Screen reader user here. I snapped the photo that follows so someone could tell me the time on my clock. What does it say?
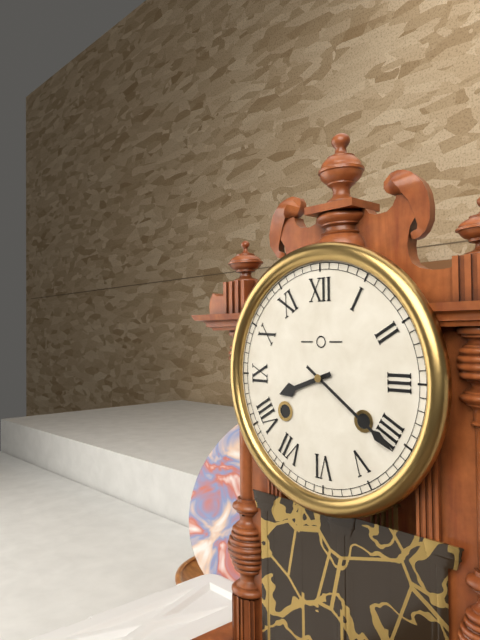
8:21
